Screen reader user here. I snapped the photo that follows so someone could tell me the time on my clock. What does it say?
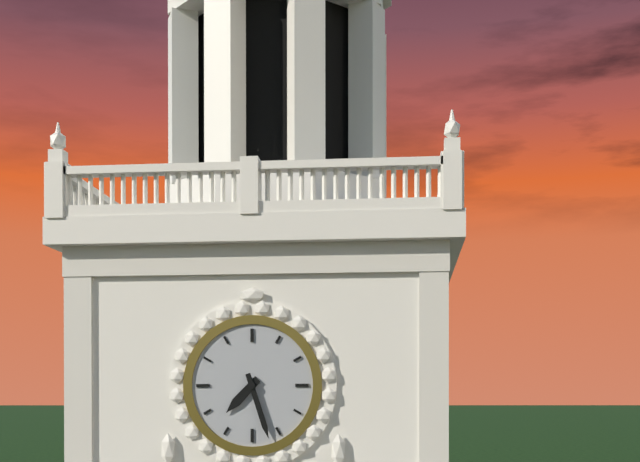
7:27
